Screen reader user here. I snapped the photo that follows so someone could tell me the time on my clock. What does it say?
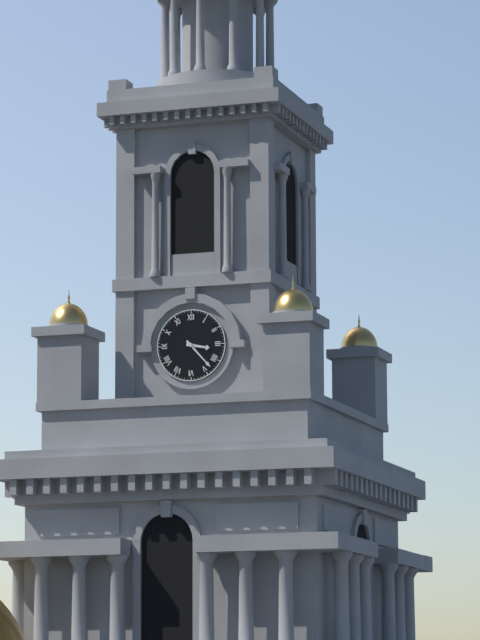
3:23
